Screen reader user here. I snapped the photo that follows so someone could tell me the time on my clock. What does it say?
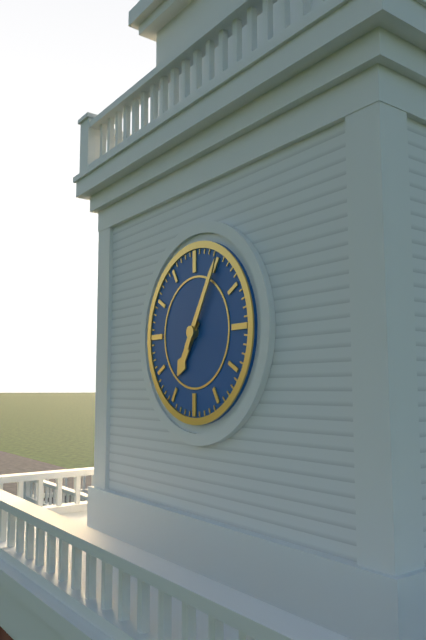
7:05
